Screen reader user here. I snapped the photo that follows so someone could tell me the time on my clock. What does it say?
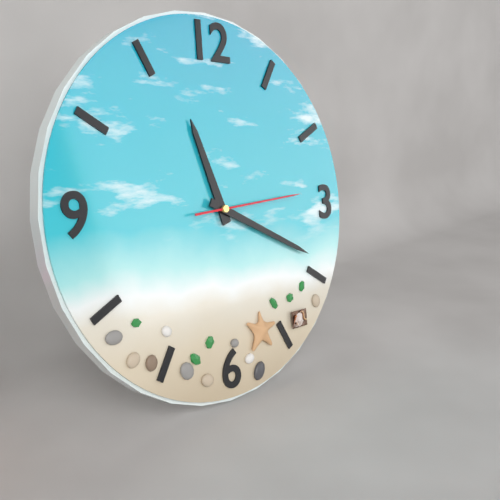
11:19:14
